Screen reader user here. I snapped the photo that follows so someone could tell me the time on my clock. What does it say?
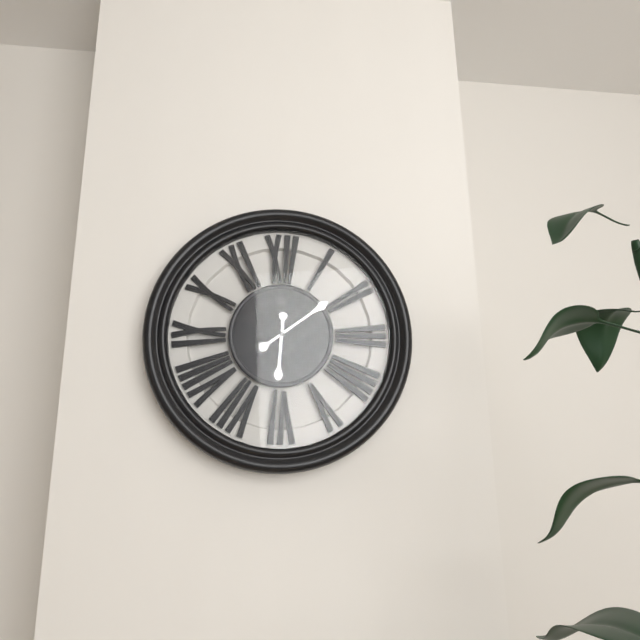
6:09
